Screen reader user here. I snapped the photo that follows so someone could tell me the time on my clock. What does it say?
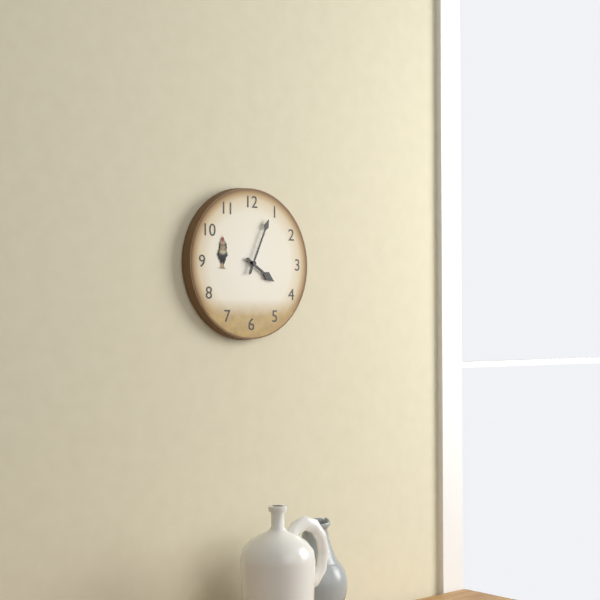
4:04
